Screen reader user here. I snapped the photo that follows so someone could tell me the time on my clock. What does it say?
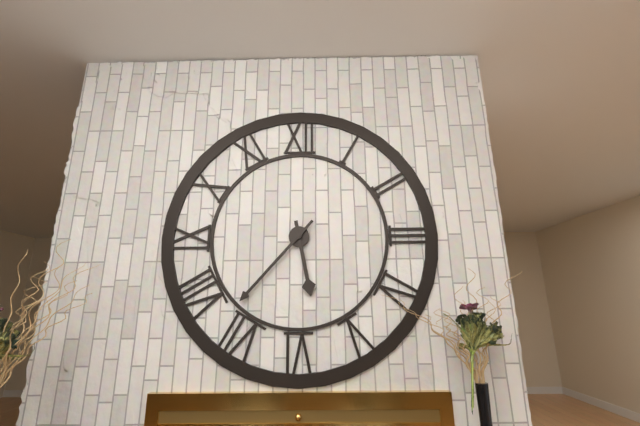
5:37
